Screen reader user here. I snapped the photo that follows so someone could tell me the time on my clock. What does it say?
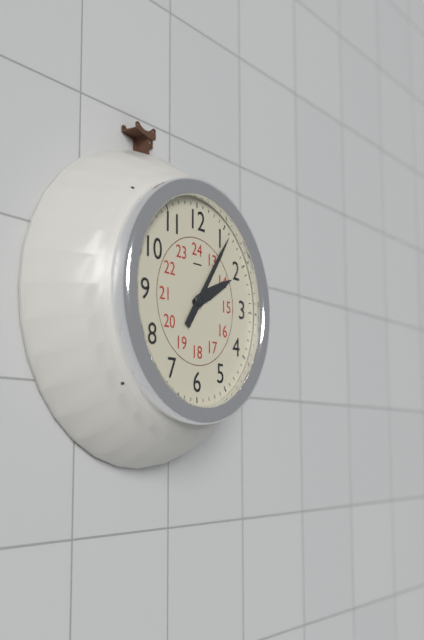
2:06
